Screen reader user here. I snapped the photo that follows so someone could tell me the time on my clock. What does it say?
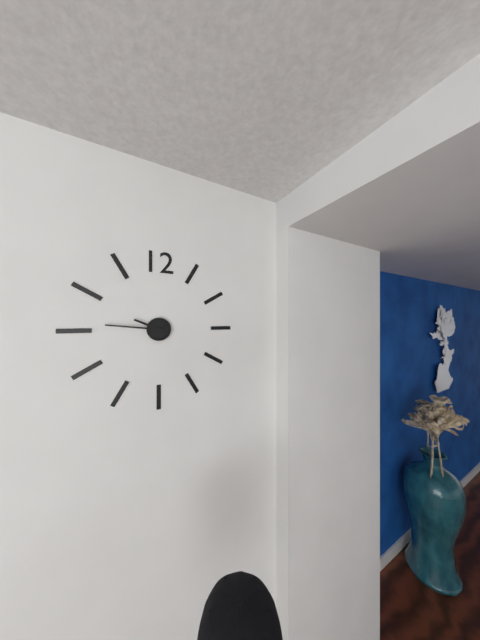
9:46
